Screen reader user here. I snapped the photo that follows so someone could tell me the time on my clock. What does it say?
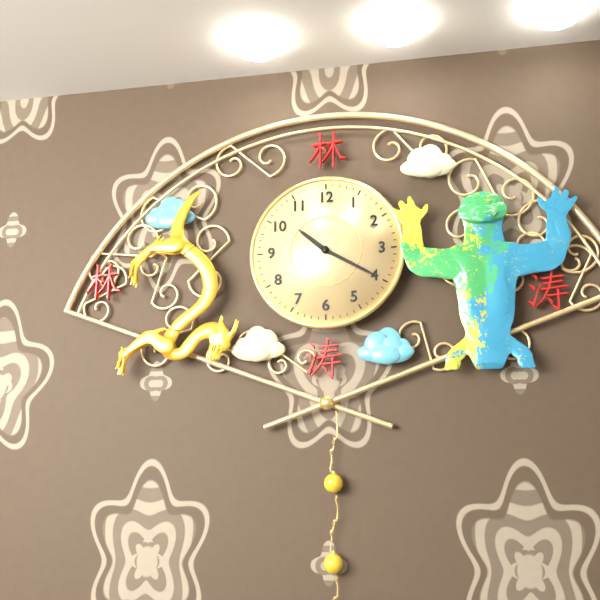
10:20
